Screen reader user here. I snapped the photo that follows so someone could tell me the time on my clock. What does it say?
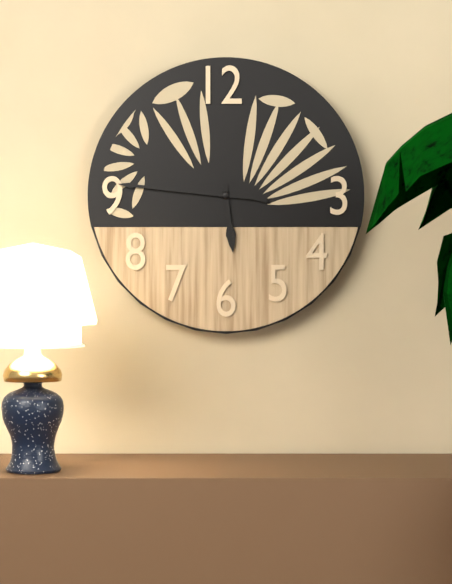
5:46
